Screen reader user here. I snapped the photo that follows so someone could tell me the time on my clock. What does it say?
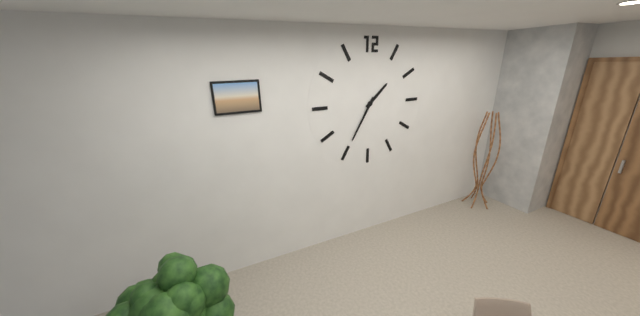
1:35
